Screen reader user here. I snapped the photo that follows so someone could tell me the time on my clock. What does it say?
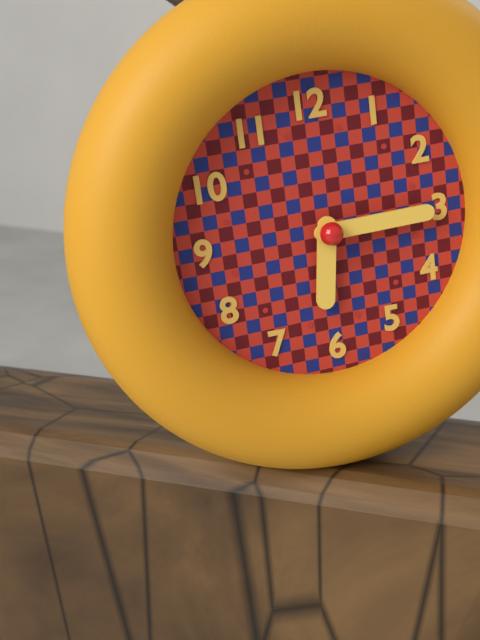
6:15
